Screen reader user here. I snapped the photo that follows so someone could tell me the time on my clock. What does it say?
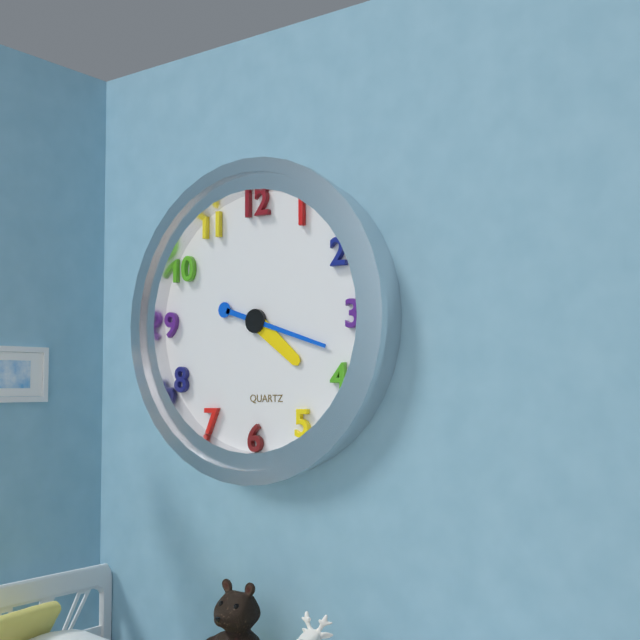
4:18
